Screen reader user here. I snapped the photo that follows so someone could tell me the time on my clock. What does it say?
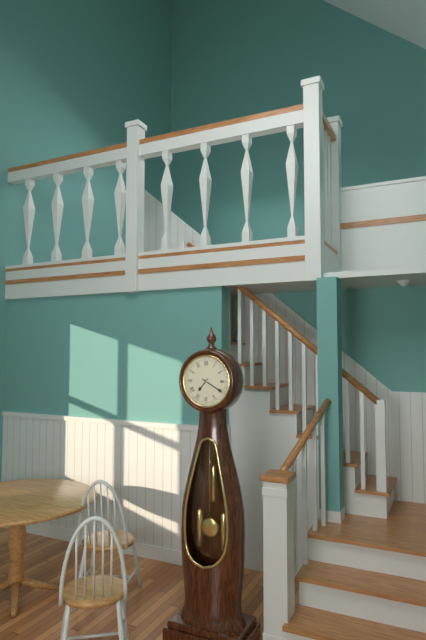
7:20
